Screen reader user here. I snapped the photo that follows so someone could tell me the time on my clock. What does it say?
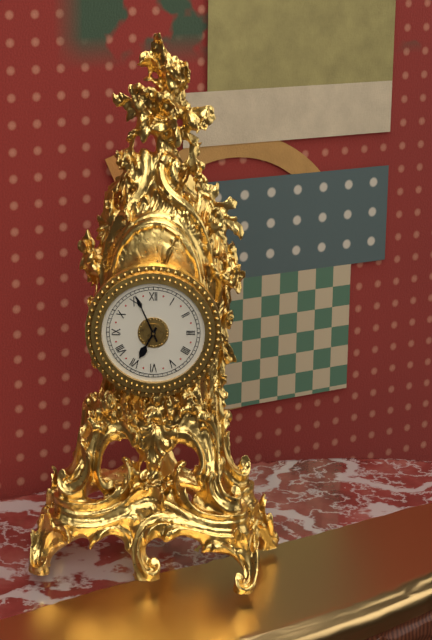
6:56
